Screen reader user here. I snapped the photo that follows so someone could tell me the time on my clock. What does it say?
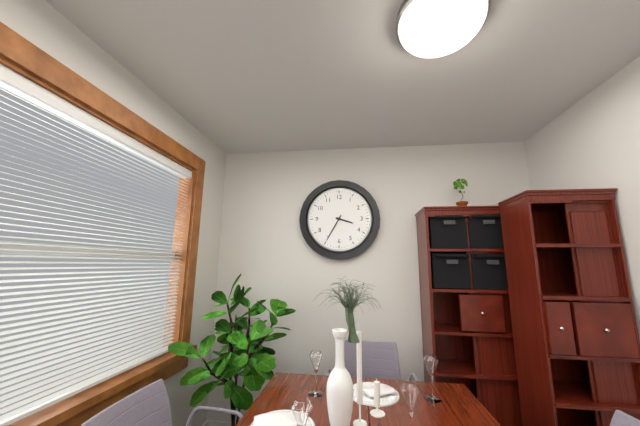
3:35
